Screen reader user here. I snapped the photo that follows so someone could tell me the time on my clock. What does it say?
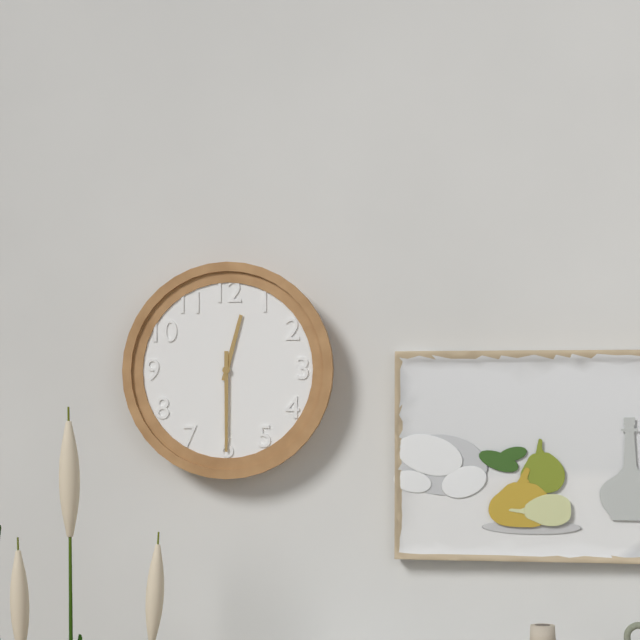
12:30
